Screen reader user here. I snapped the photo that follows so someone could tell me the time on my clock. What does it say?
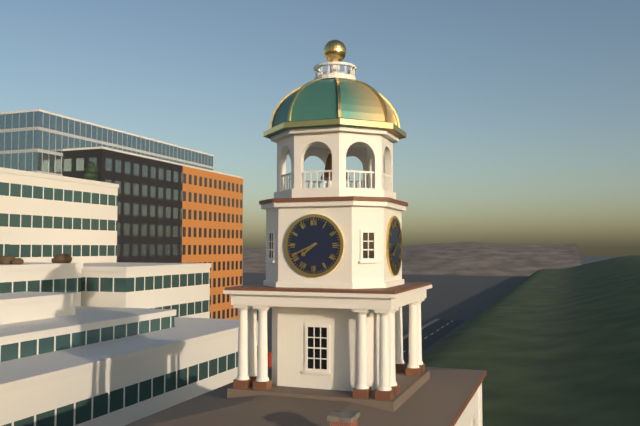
7:41
